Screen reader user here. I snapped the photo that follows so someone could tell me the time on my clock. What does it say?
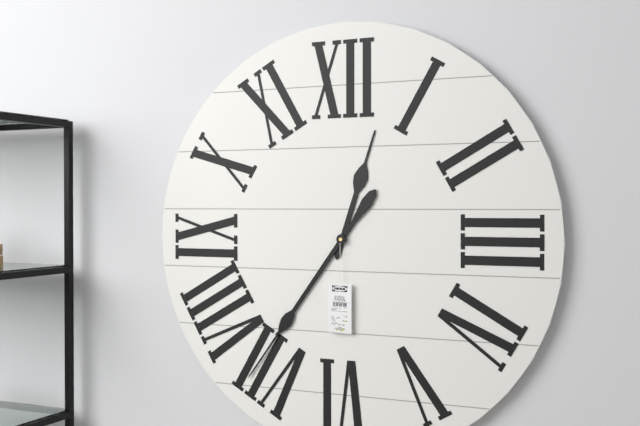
12:36
